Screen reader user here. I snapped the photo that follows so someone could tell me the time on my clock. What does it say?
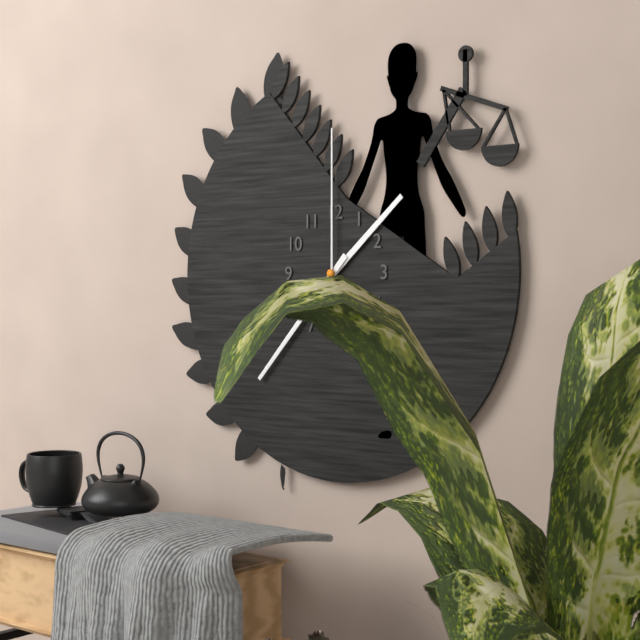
1:37:00
